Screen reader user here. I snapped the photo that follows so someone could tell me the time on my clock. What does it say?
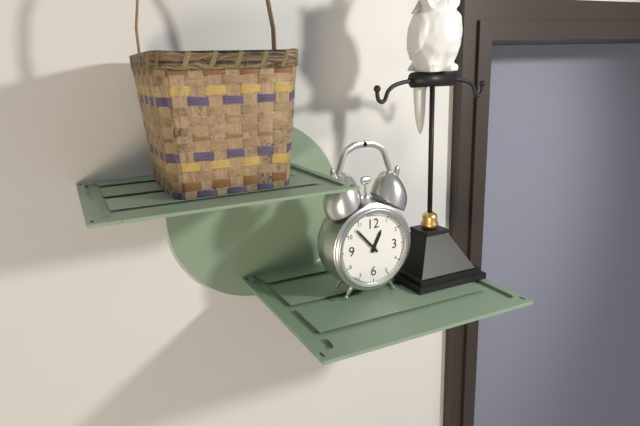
12:53
